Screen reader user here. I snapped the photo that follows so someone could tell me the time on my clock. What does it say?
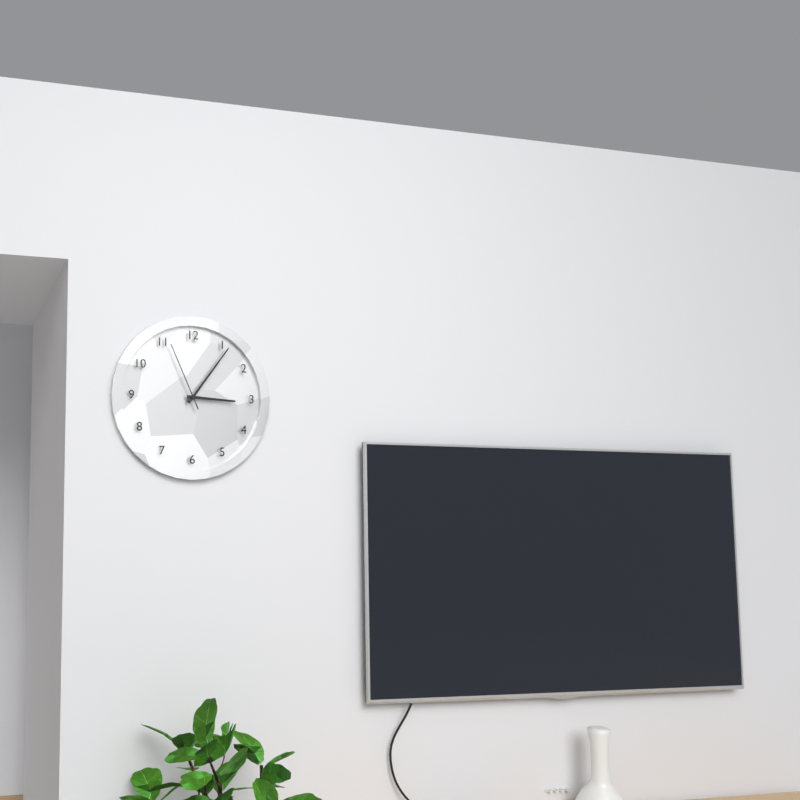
3:06:56
